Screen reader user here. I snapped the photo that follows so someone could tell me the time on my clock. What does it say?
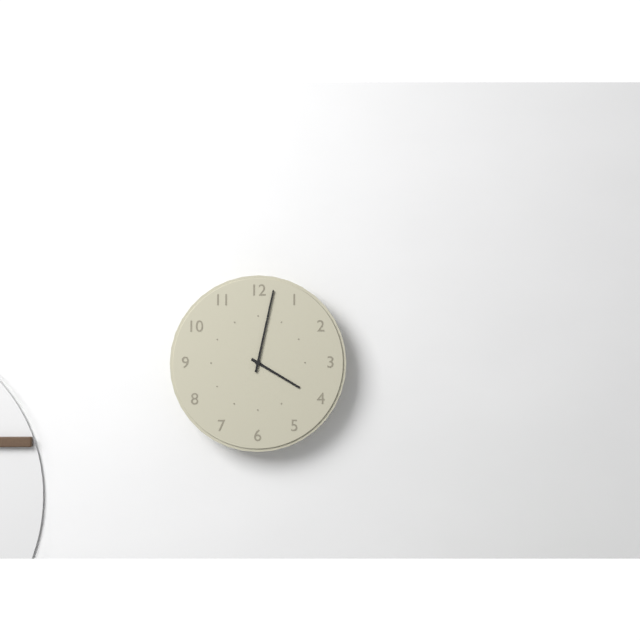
4:02
